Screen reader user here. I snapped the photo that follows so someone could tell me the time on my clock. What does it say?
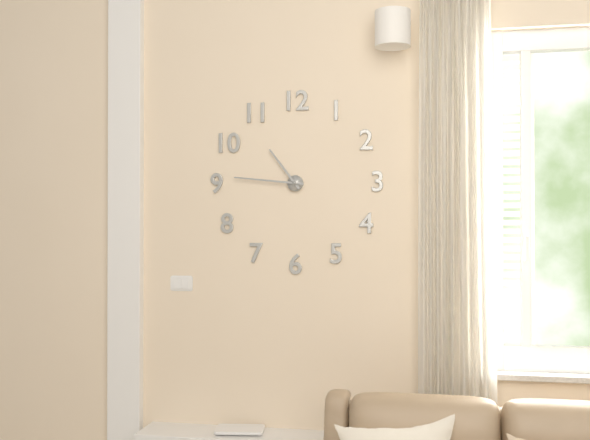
10:46
